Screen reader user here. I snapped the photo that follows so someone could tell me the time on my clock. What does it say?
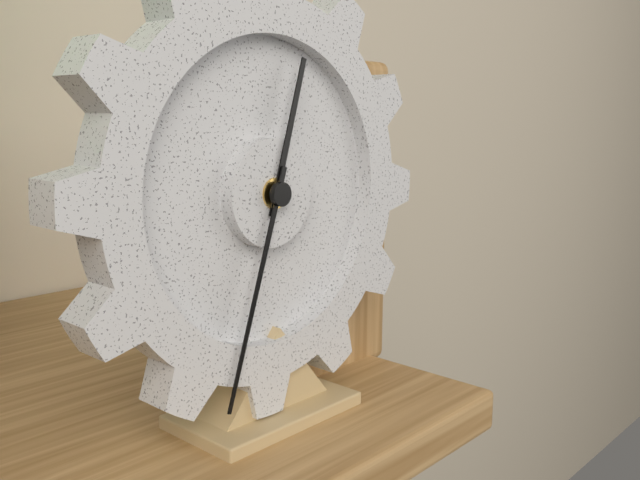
12:33
